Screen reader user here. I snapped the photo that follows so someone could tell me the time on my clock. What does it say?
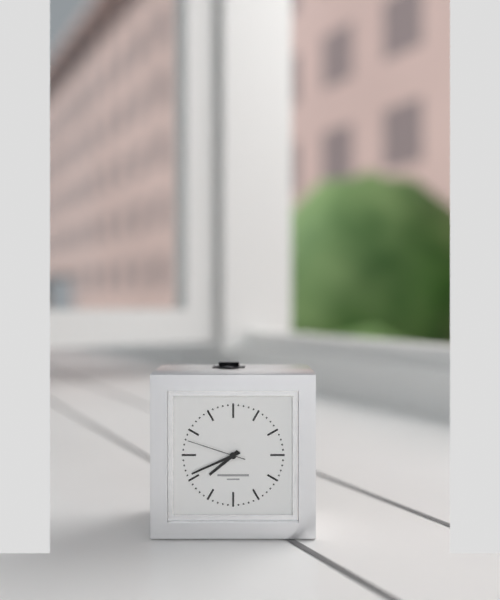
7:41:48
